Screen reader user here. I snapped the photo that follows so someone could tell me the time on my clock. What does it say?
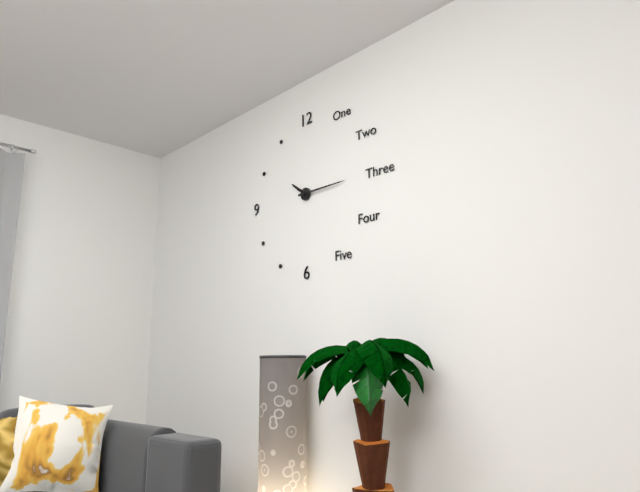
10:15
